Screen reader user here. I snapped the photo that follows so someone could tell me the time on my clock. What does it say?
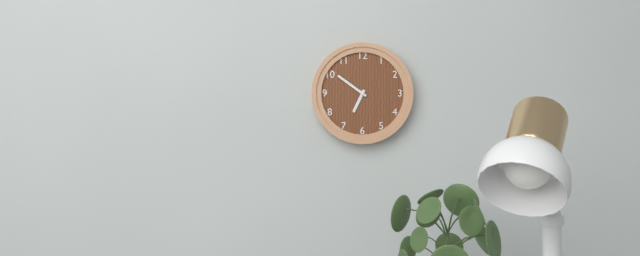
6:51
